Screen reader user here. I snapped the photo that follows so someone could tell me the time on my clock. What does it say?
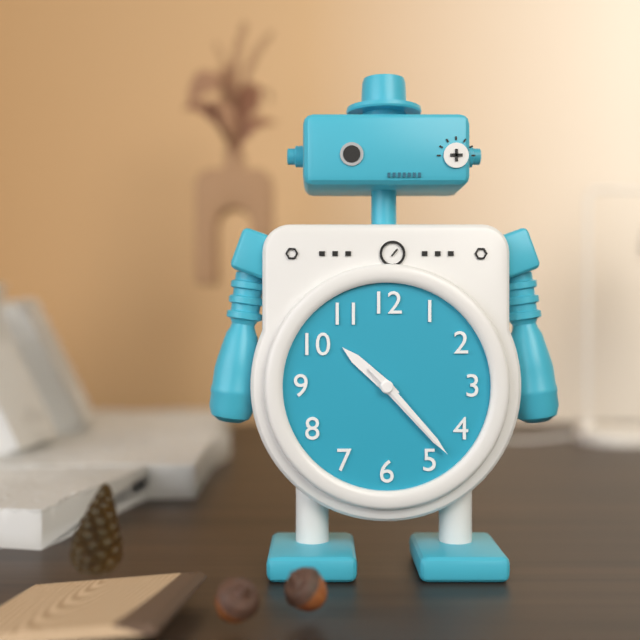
10:23:23
